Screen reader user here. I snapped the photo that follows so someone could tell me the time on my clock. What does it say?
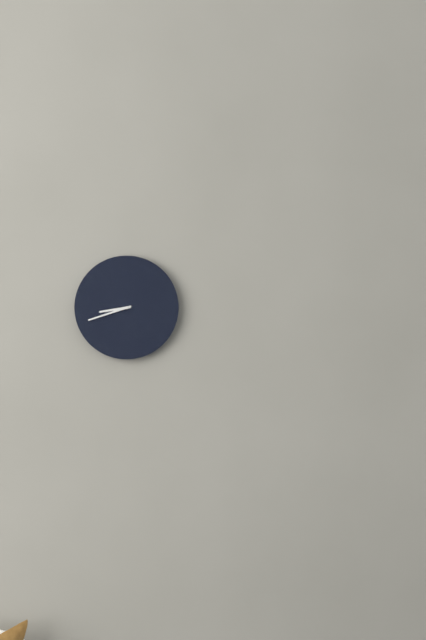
8:42
